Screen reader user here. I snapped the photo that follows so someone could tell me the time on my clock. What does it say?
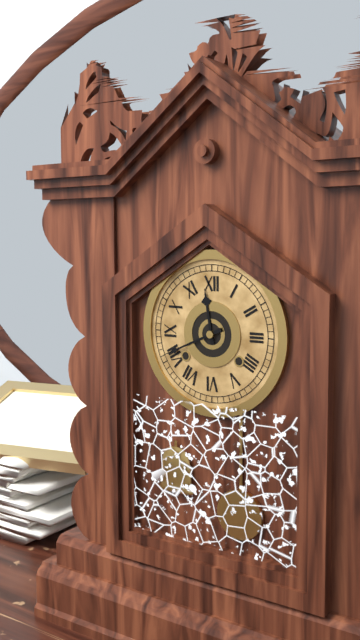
11:41
